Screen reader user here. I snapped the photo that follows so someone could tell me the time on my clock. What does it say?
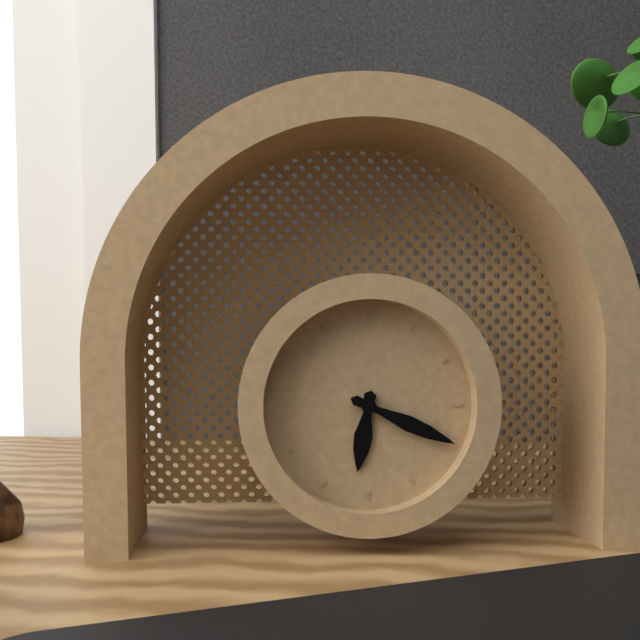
6:19
